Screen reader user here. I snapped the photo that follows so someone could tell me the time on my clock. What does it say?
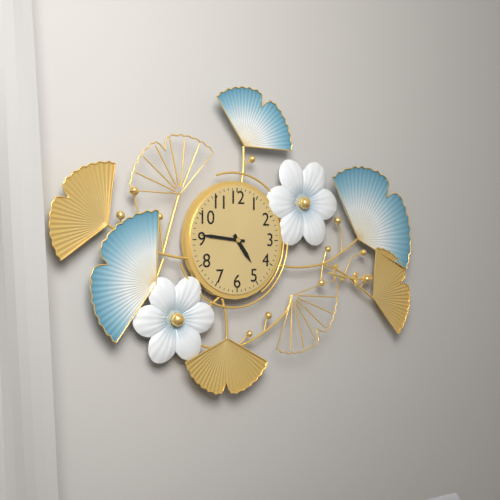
4:46
